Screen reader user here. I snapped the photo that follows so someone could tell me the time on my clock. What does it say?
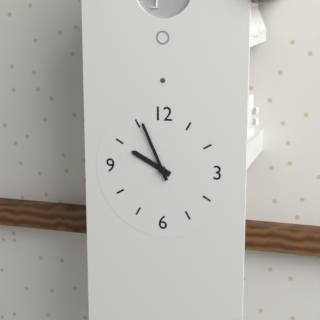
9:56
